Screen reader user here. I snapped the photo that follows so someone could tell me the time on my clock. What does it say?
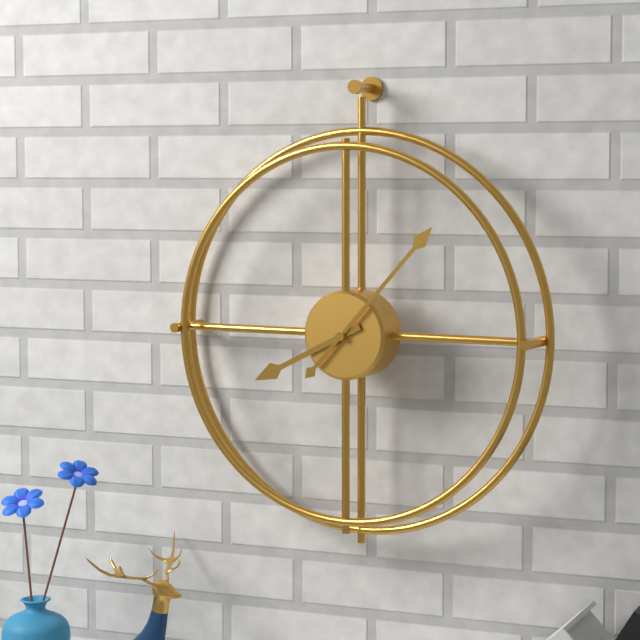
8:07
